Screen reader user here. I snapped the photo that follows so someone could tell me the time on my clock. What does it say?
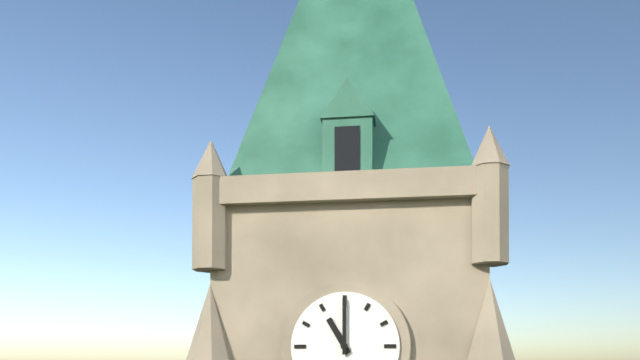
11:00
